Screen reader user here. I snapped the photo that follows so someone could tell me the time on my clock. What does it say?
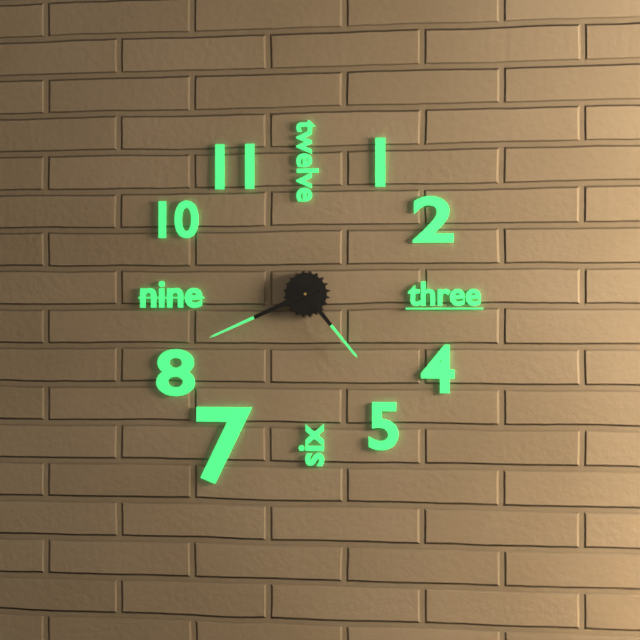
4:41
